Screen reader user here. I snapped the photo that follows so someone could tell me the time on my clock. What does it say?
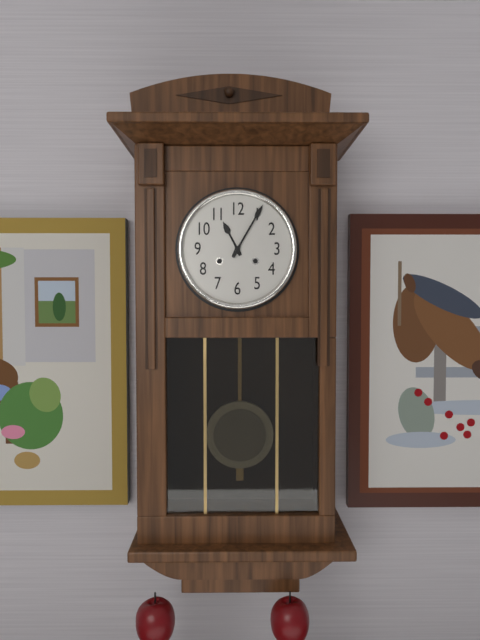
11:05
